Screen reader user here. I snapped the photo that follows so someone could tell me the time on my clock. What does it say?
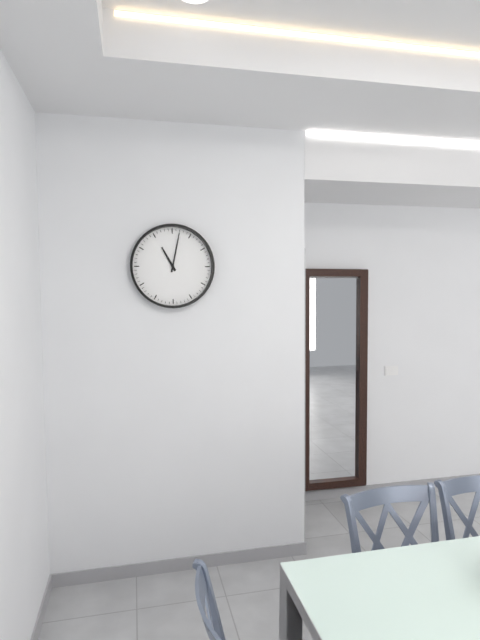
11:02
